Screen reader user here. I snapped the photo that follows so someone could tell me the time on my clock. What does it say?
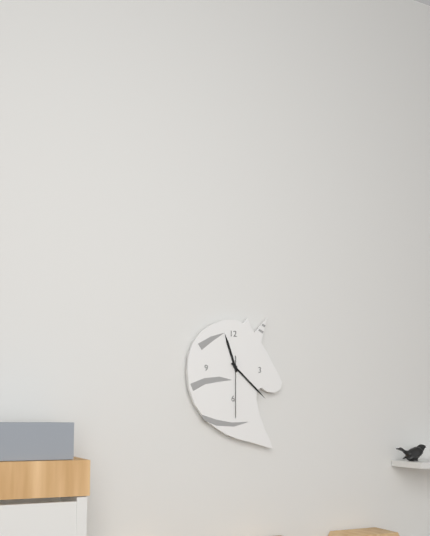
11:22:30
